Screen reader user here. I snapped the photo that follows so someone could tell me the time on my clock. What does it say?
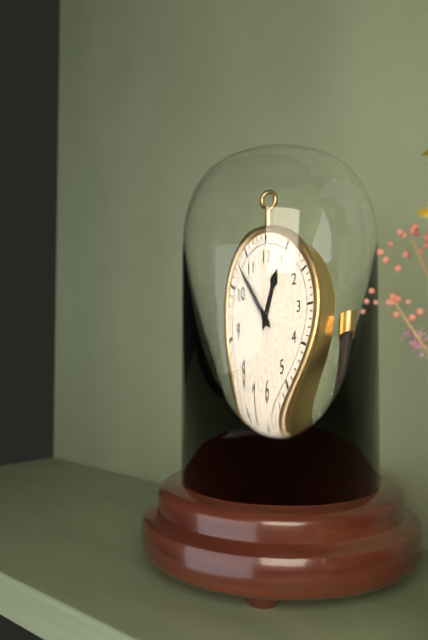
12:53
